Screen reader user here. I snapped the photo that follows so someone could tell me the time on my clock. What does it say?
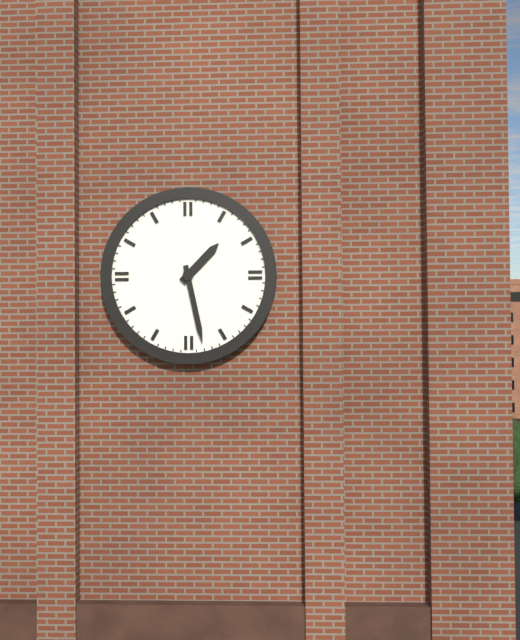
1:28
